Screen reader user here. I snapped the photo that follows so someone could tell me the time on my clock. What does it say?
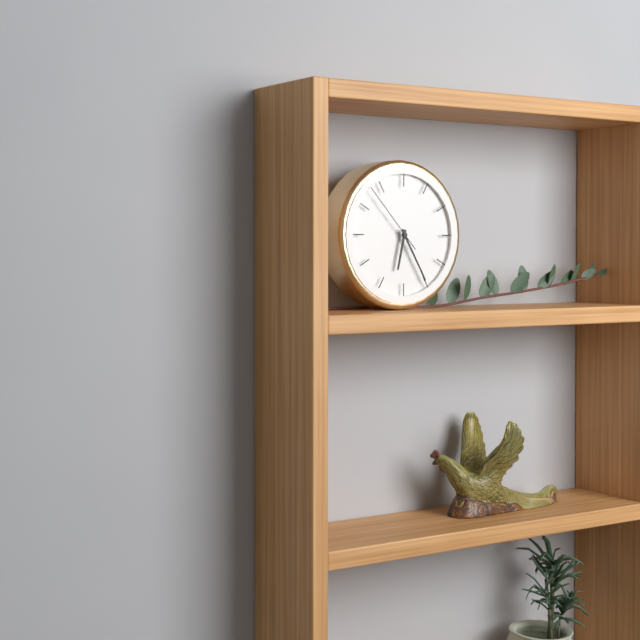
6:25:53
